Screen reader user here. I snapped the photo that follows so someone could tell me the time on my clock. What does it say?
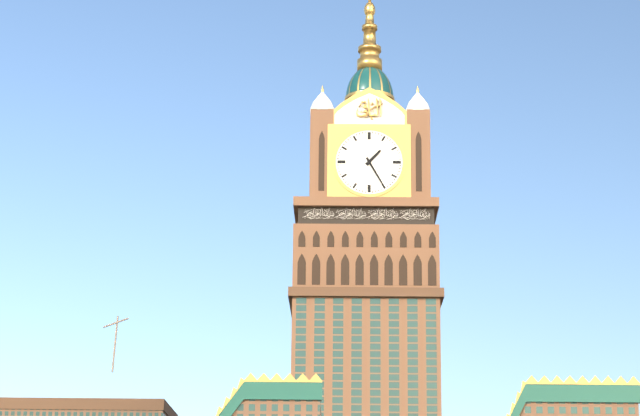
1:25
